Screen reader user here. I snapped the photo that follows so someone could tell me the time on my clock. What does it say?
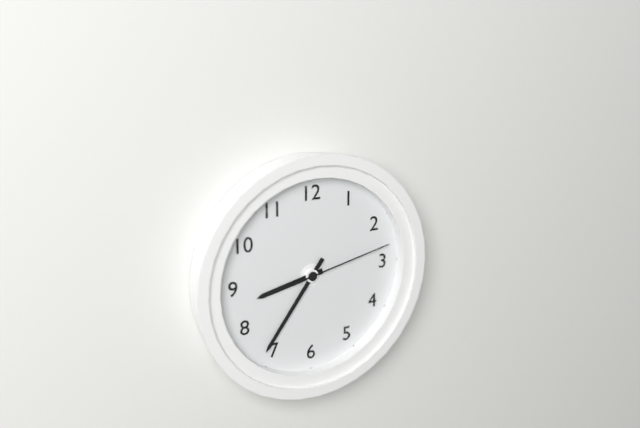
8:36:13
